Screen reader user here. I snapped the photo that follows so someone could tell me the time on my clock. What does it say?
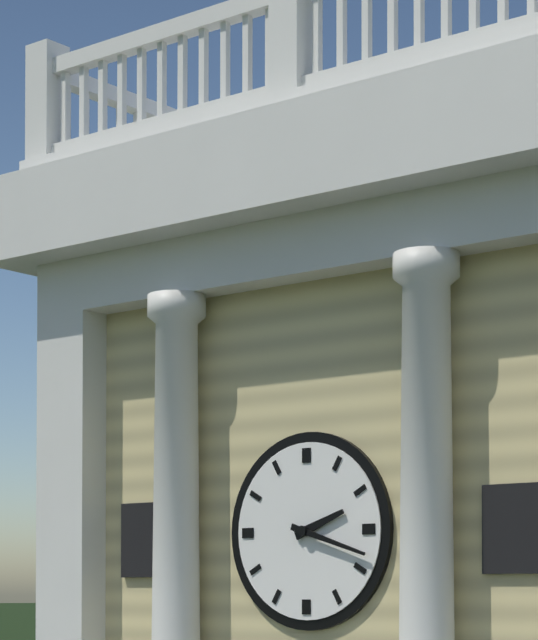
2:18
